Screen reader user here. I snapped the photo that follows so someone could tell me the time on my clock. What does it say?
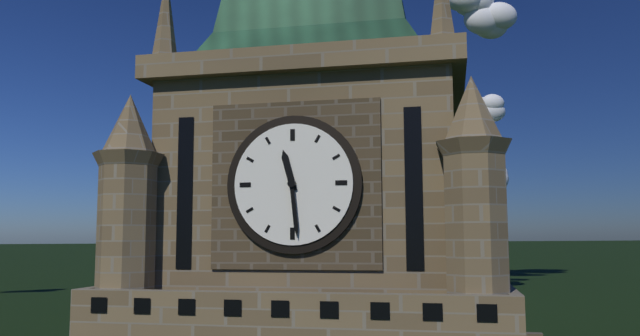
11:29
